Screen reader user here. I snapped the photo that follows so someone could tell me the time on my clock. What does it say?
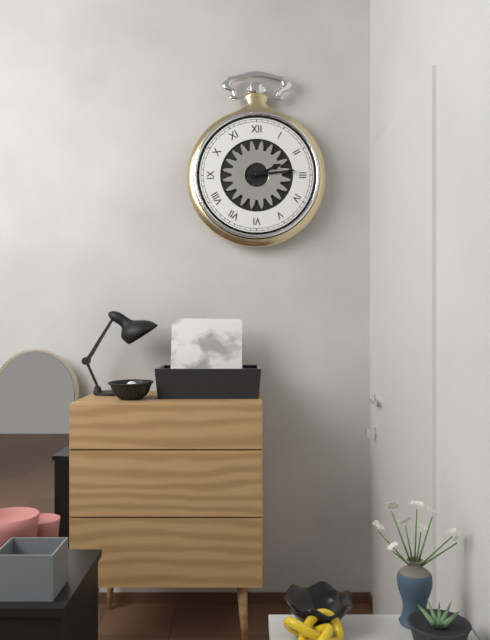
2:14
